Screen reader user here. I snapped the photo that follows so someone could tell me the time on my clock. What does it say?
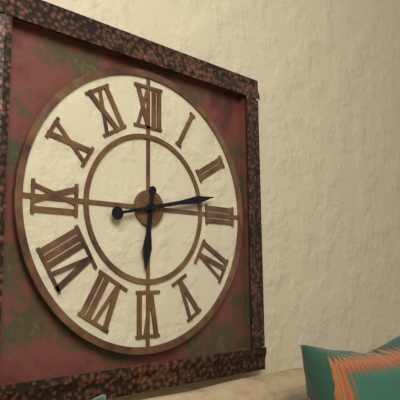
6:13
